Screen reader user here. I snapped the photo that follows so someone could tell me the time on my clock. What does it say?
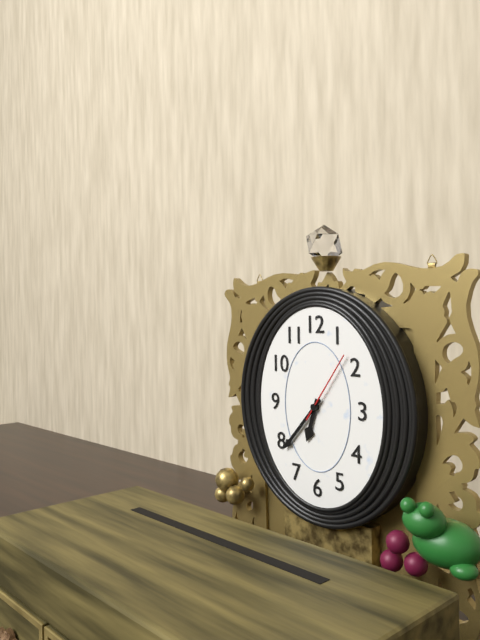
6:37:06
